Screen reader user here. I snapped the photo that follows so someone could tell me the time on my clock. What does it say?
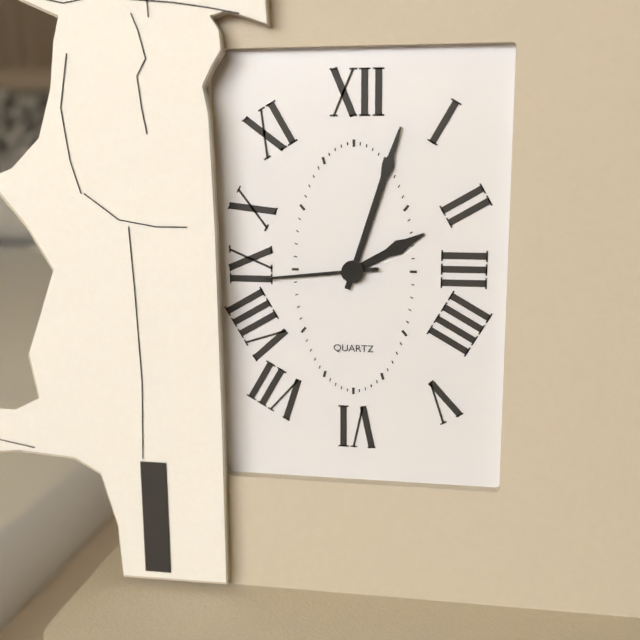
2:03:44
